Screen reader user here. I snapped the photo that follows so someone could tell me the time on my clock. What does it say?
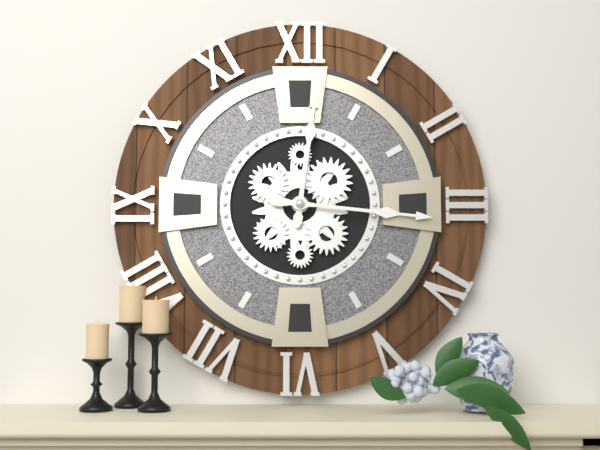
12:16
